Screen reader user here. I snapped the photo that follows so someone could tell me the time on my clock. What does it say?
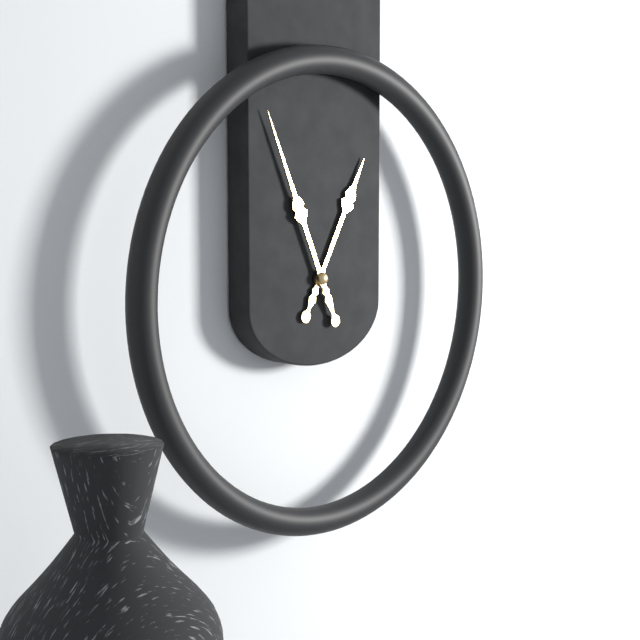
12:56
